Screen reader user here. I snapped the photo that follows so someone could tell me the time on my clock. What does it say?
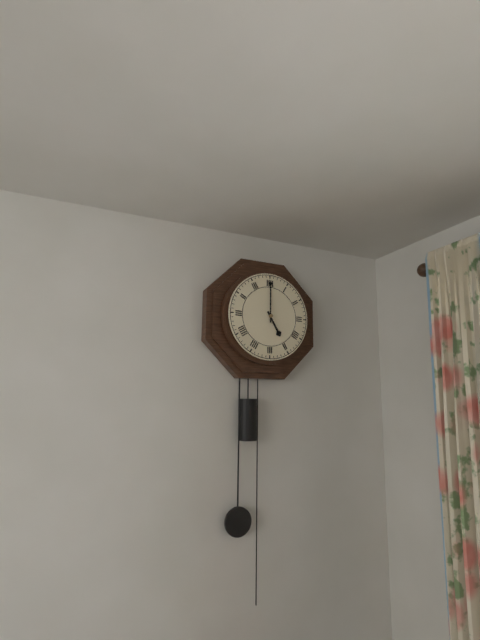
5:00
